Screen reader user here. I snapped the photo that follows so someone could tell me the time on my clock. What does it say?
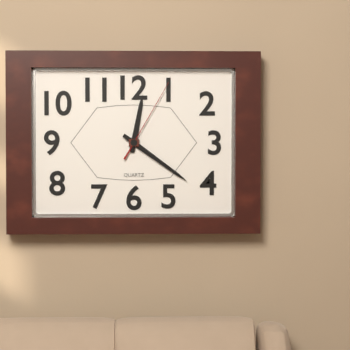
12:21:05
